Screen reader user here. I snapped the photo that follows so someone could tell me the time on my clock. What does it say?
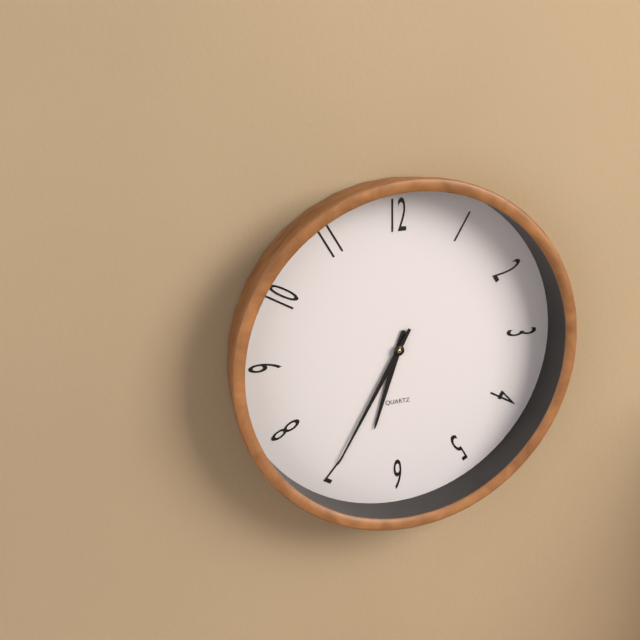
6:35
